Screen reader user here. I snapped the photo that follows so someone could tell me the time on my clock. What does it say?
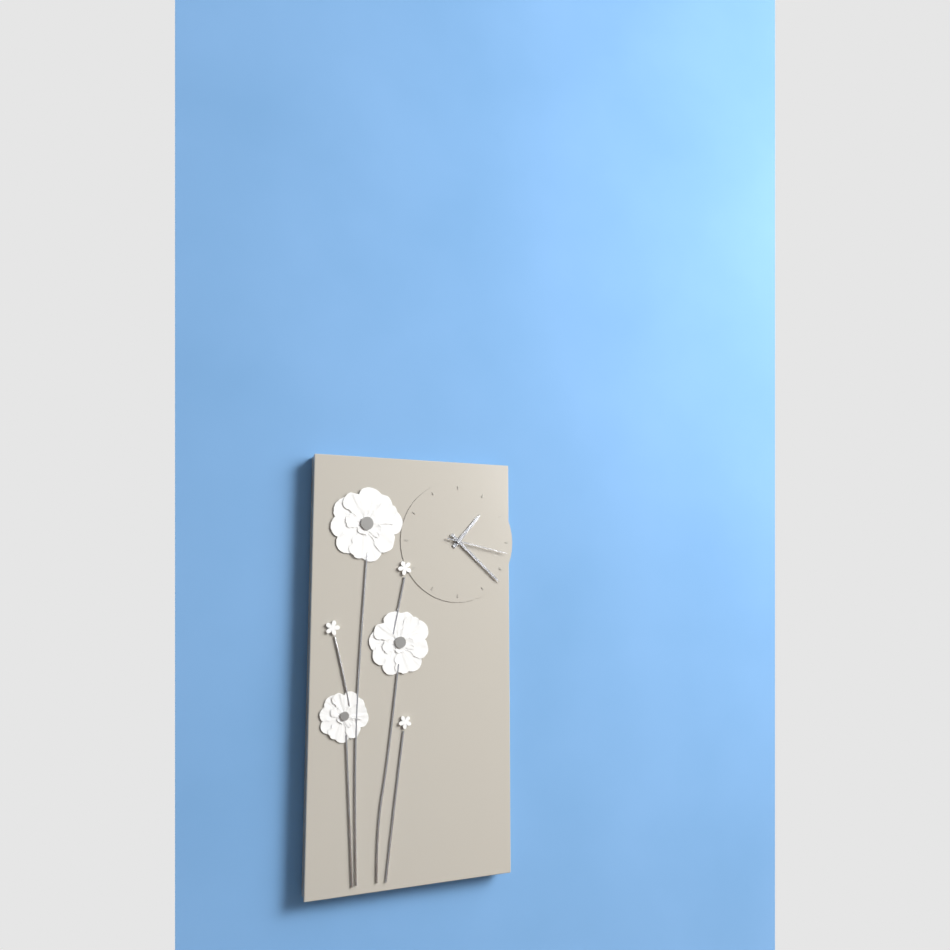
1:22:17
